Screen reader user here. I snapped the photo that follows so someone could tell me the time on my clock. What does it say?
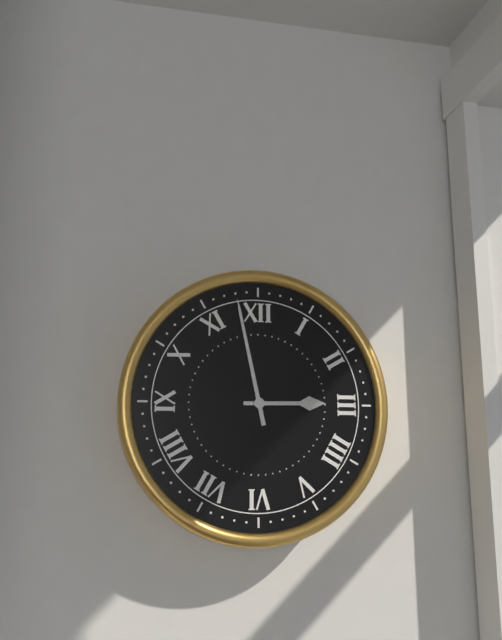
2:58
